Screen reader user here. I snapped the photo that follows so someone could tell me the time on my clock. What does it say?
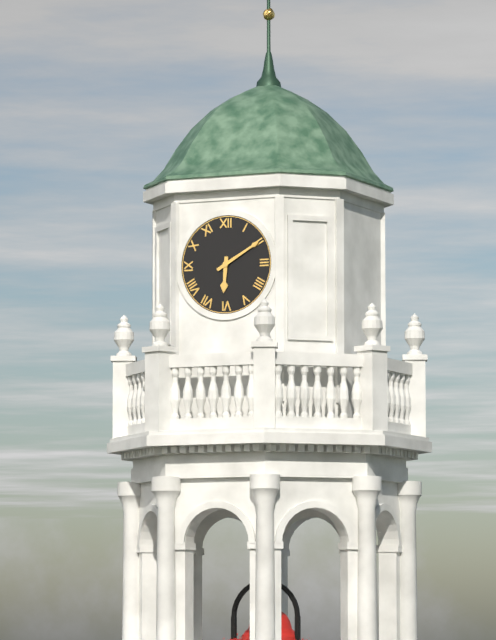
6:10
